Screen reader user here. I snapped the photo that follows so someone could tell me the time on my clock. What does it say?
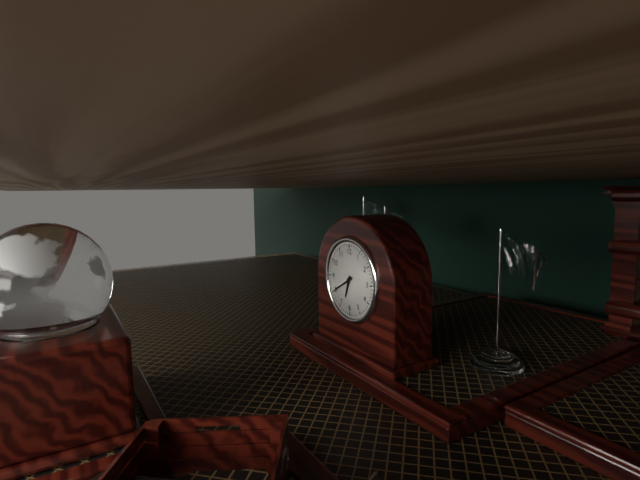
6:40
